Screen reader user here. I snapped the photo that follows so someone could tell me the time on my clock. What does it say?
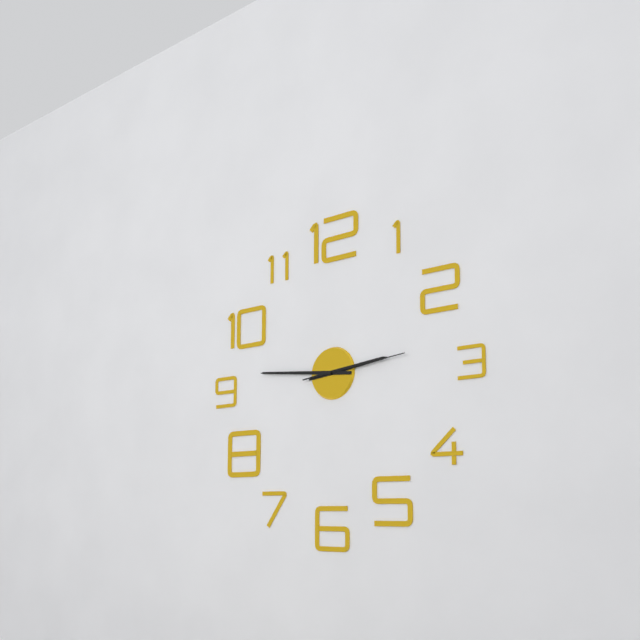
2:46:14
